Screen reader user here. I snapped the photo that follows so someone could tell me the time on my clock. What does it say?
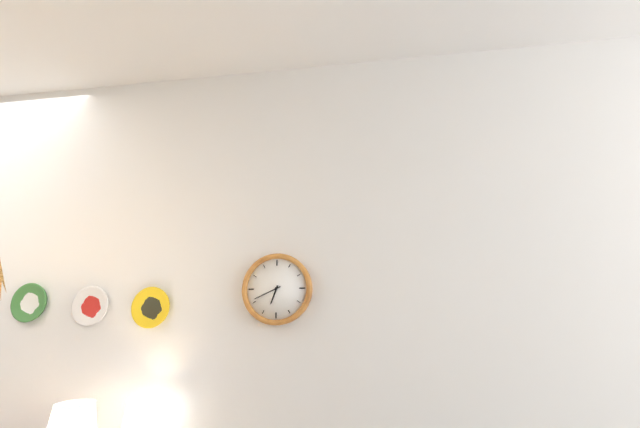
6:41
